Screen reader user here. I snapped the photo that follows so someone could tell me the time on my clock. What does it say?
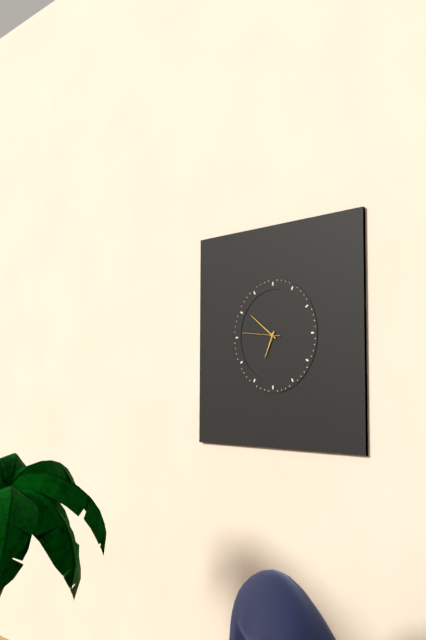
6:51
